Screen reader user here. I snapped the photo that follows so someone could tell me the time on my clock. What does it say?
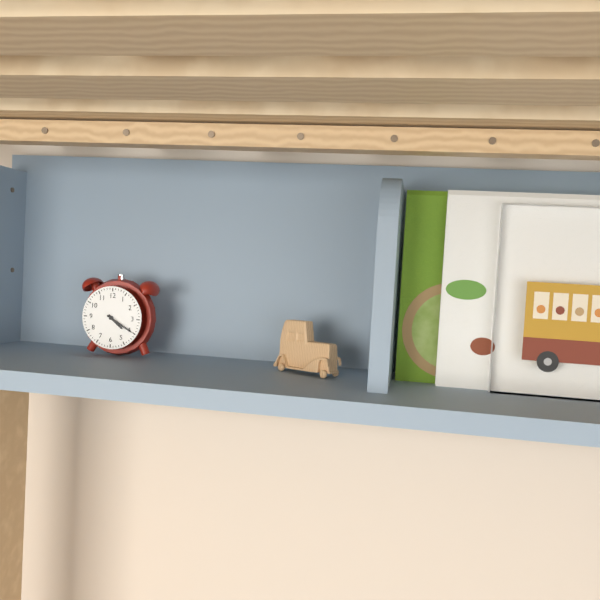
4:20
